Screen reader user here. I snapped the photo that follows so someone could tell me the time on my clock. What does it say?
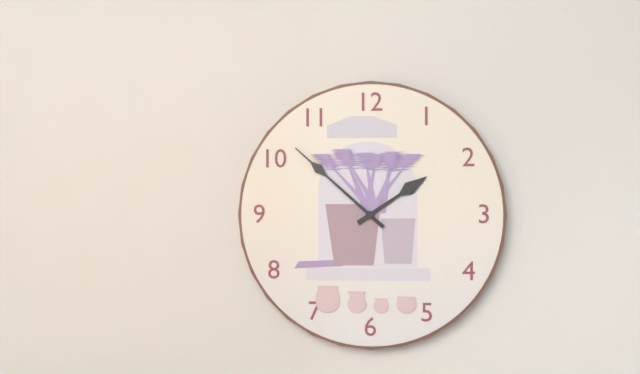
1:52
